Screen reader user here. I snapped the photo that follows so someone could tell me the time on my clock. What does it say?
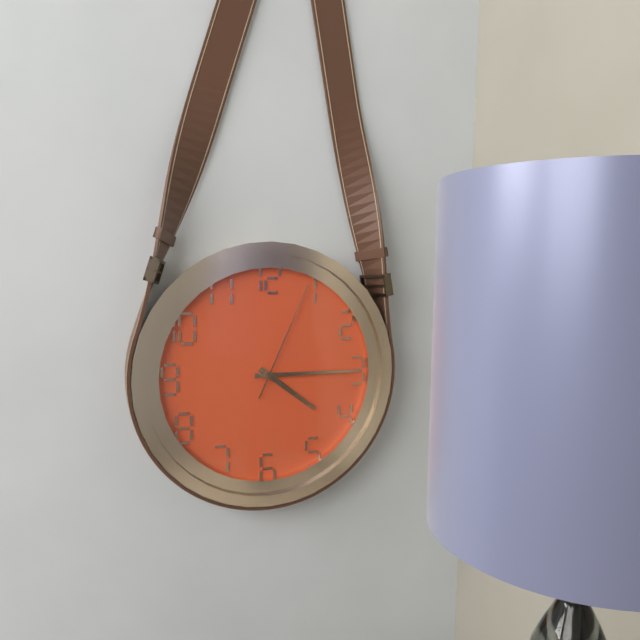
4:15:04
